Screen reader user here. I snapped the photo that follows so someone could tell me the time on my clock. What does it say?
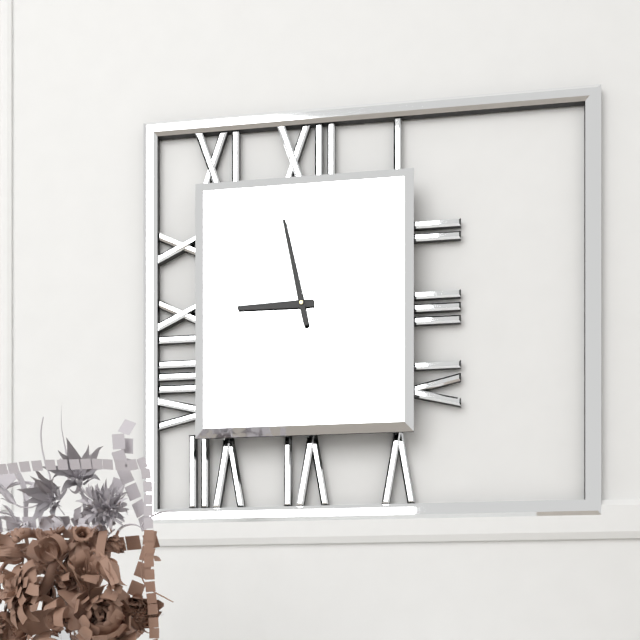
8:58
